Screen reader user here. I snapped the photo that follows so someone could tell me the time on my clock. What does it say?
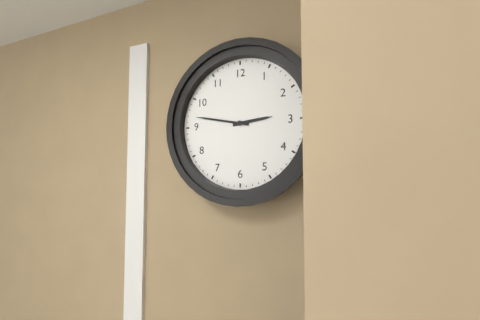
2:47
